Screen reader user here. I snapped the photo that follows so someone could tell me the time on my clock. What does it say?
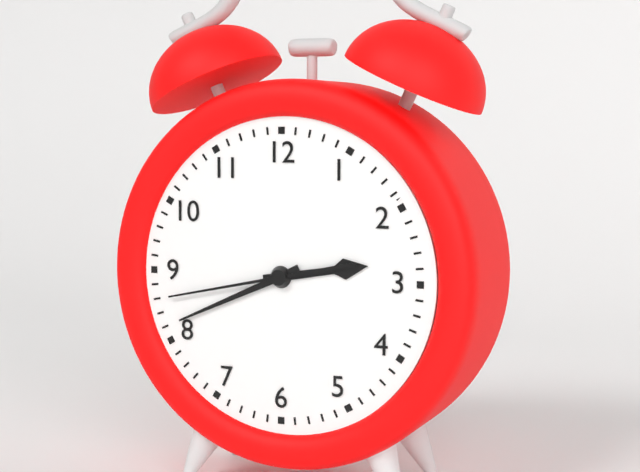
2:41:43
